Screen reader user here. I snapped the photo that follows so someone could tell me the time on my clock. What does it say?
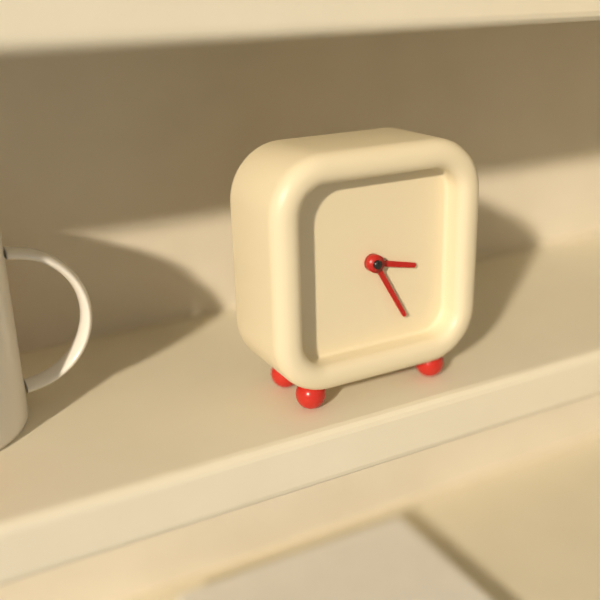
3:25
